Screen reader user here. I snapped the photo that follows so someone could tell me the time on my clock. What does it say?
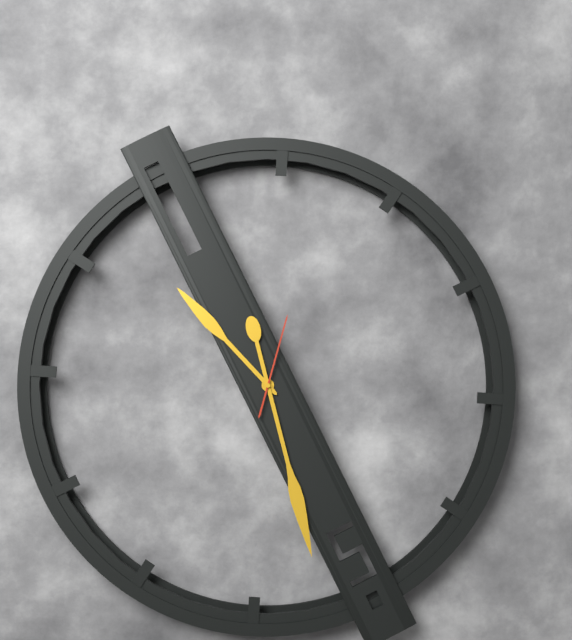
10:27:02
